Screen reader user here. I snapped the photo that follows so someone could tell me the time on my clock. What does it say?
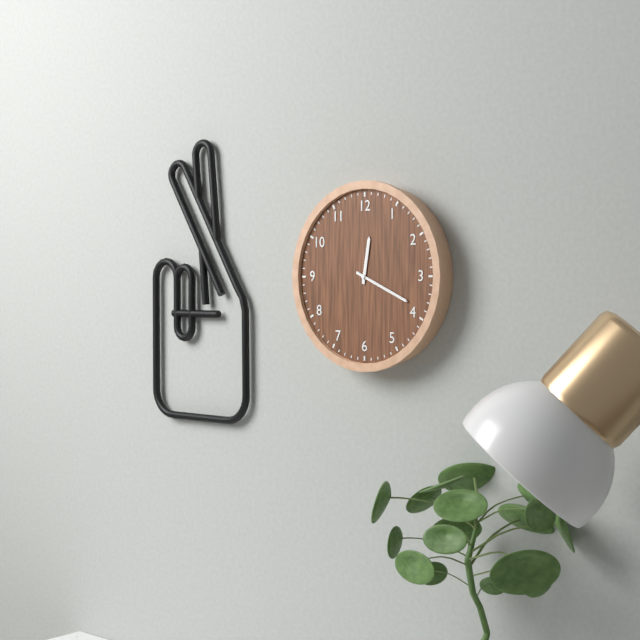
12:19
